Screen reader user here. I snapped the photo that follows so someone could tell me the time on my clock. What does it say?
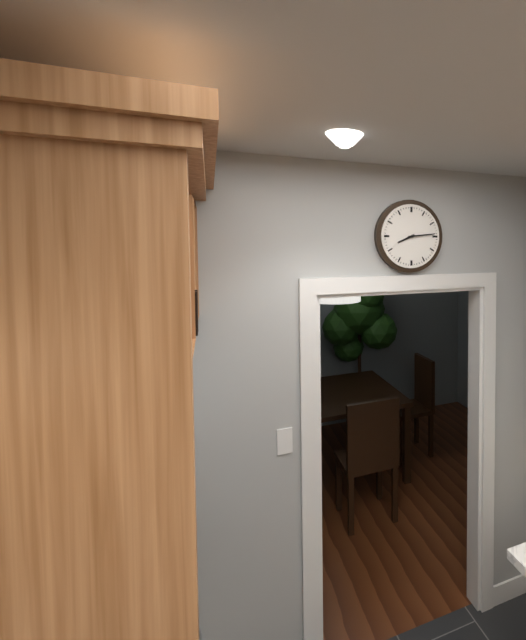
8:14
